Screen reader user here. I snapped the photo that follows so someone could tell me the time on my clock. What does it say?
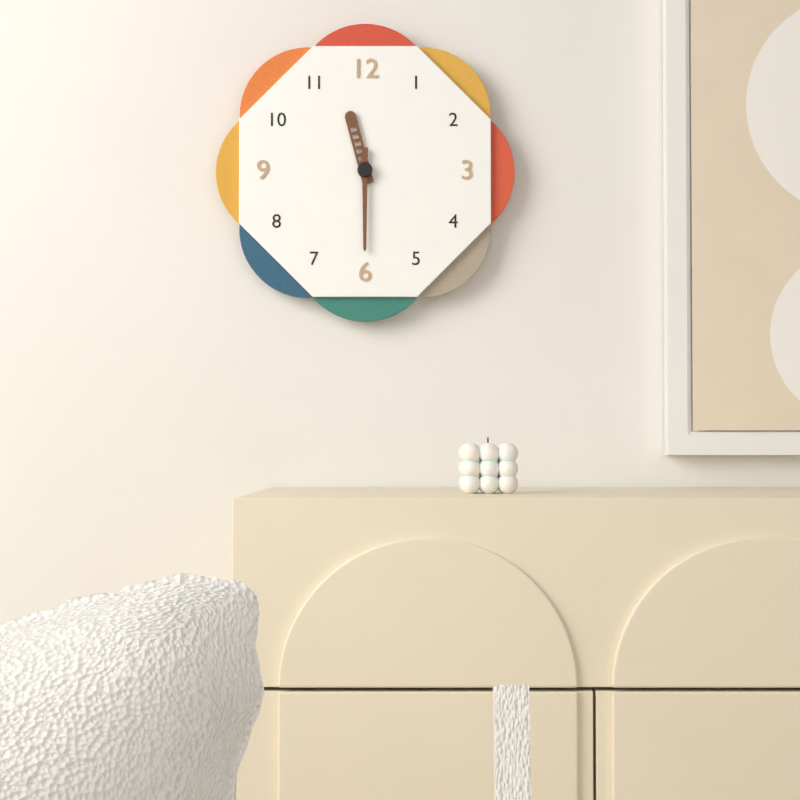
11:30
